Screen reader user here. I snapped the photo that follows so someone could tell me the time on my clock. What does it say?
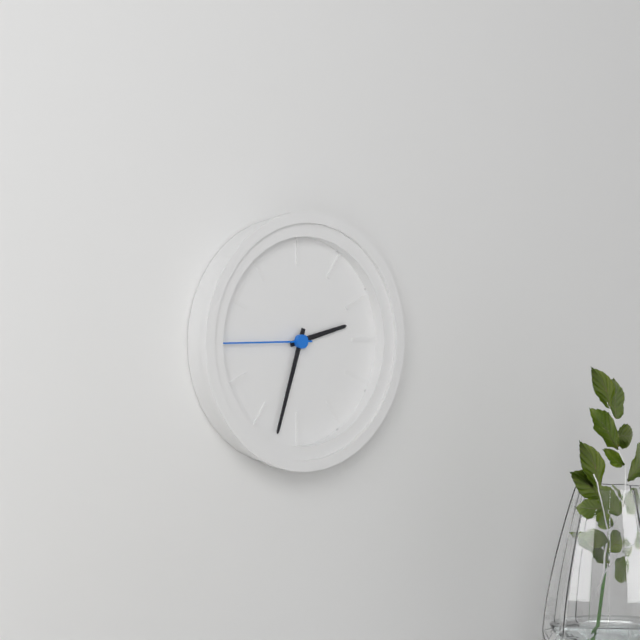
2:33:45
